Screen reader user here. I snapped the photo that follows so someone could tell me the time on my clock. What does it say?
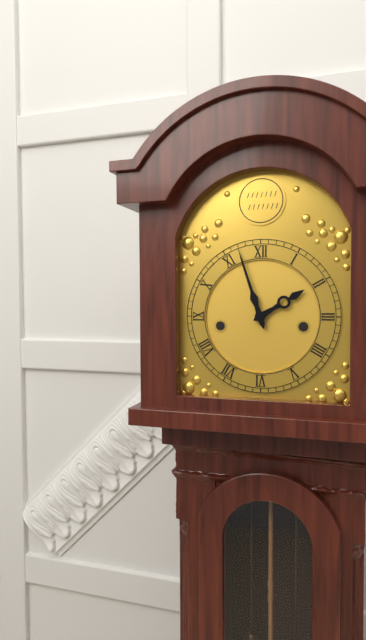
1:57
